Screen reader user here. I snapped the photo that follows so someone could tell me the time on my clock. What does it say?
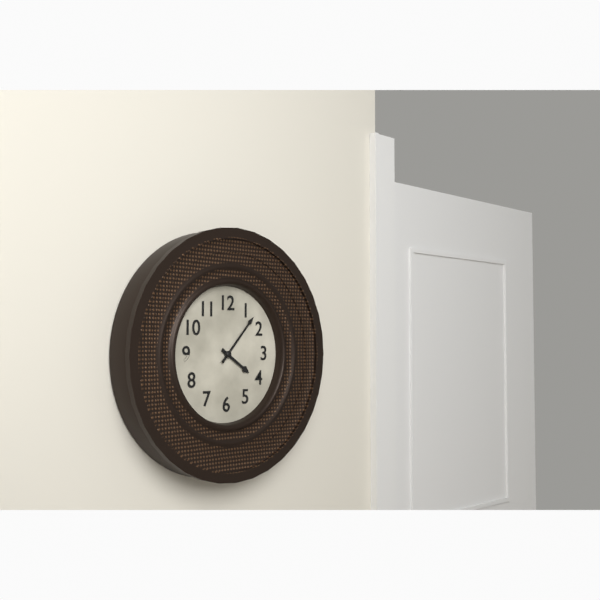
4:07
